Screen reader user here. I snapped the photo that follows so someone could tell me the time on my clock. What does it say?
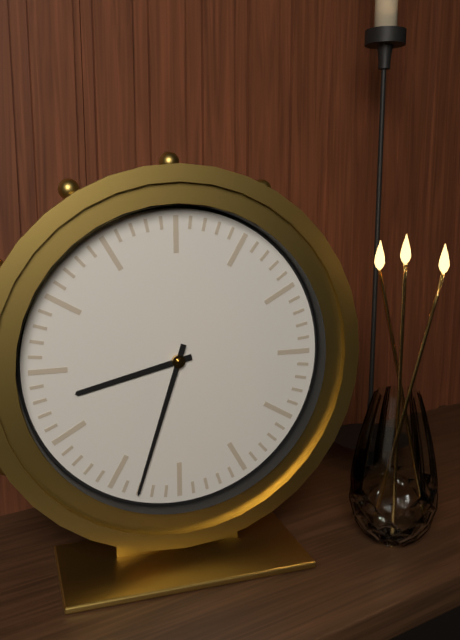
8:33
